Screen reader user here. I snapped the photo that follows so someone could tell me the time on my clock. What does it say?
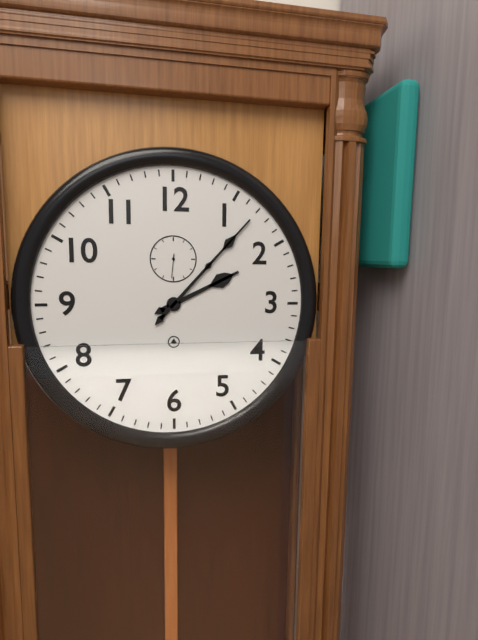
2:07
